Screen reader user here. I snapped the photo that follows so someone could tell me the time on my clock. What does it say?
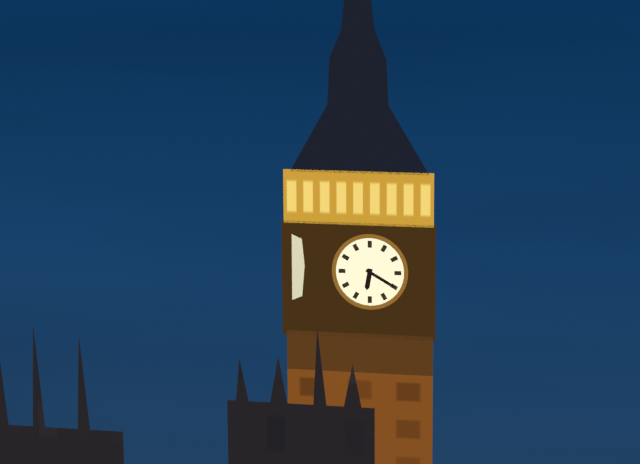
6:20
